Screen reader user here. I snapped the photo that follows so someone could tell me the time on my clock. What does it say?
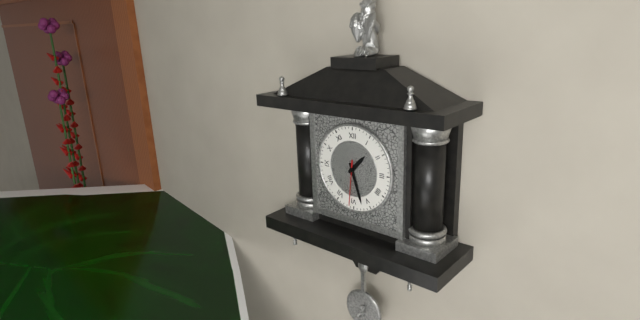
1:27:31
